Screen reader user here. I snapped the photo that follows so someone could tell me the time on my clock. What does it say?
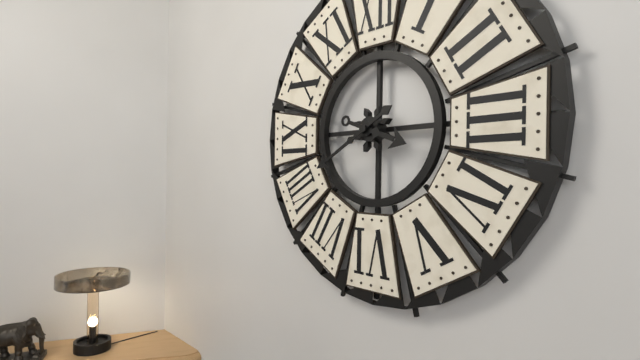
3:40
